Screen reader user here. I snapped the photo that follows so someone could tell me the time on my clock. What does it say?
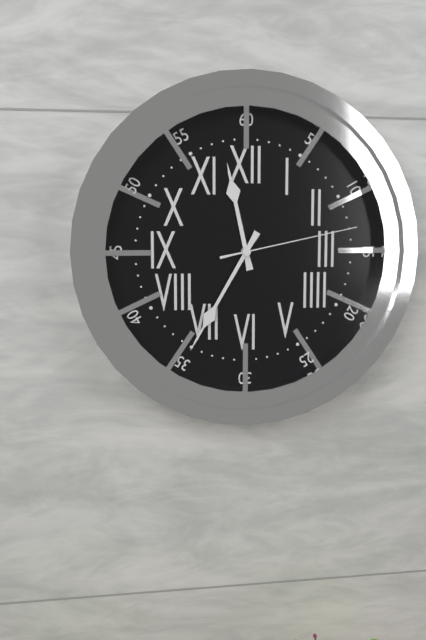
11:35:13
